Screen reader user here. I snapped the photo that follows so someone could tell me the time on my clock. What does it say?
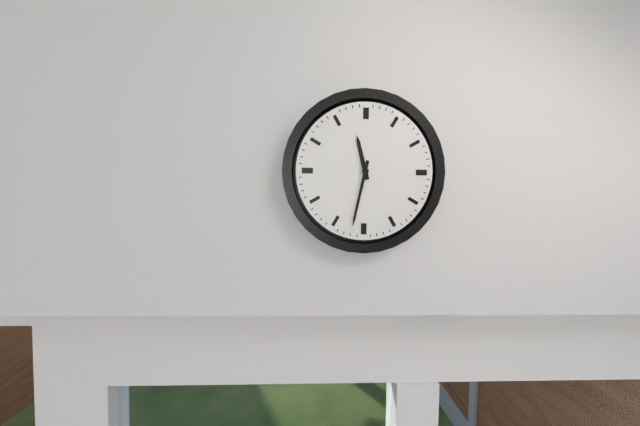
11:32
